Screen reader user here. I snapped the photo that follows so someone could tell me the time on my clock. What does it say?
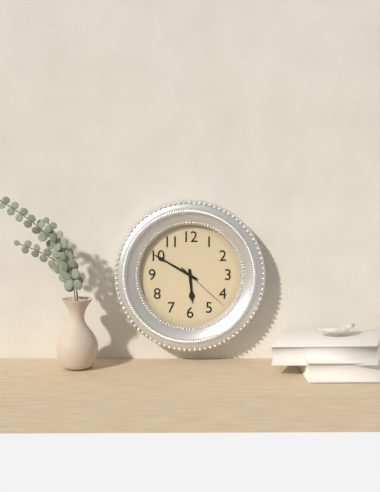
5:50:22
